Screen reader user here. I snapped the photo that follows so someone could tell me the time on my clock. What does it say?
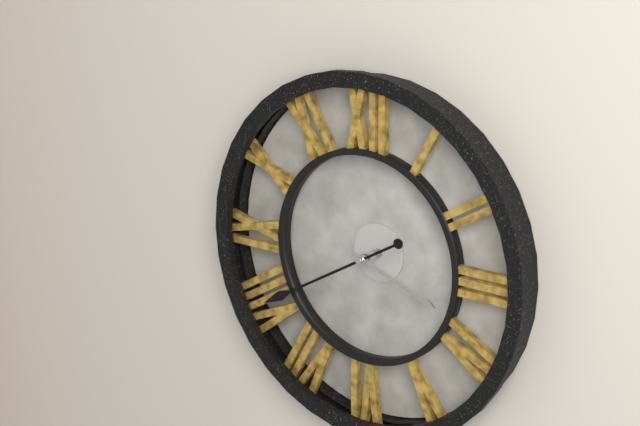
3:40
